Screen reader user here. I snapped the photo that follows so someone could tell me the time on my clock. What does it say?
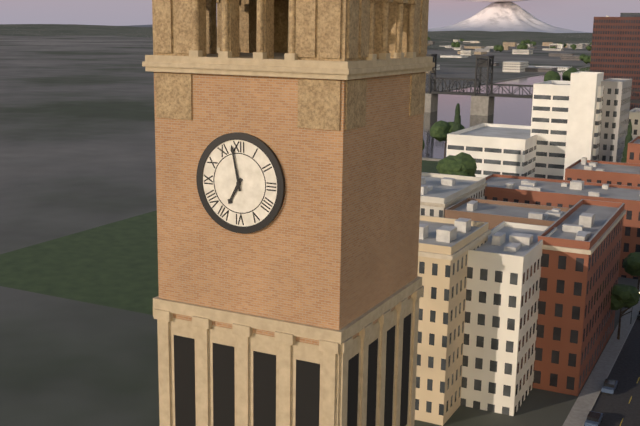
6:58
